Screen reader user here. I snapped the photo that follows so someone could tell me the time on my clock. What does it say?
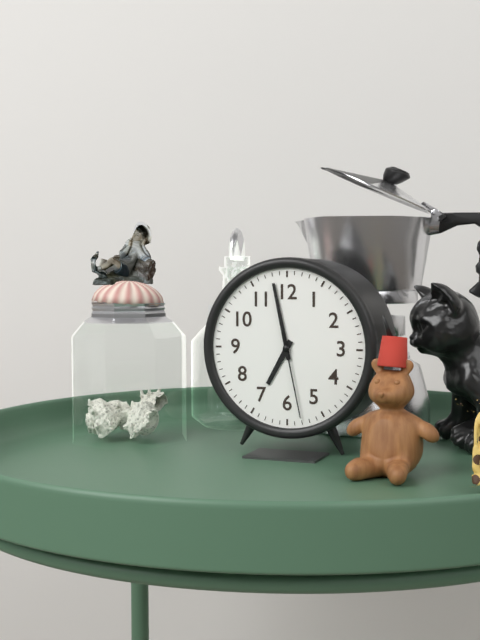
6:58:28
